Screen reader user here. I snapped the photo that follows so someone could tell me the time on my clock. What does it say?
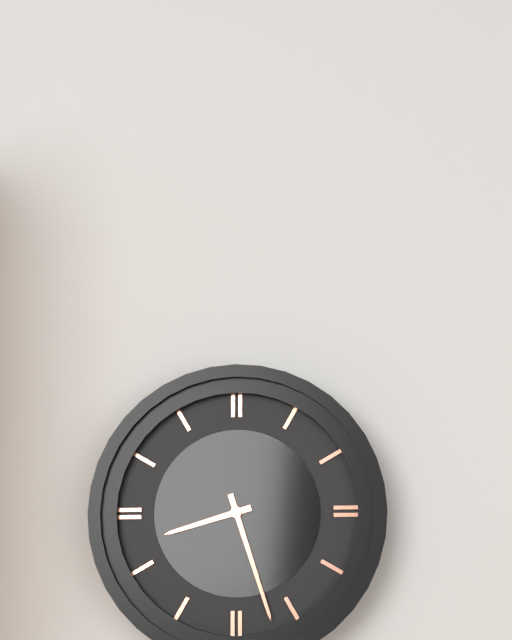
8:27
